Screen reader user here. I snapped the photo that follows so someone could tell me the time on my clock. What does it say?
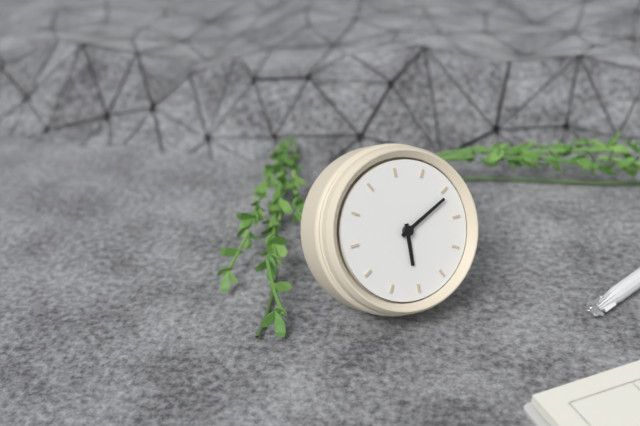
5:06
